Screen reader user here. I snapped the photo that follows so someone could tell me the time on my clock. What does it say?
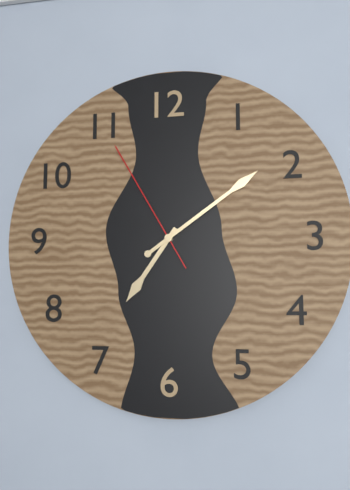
7:09:55
